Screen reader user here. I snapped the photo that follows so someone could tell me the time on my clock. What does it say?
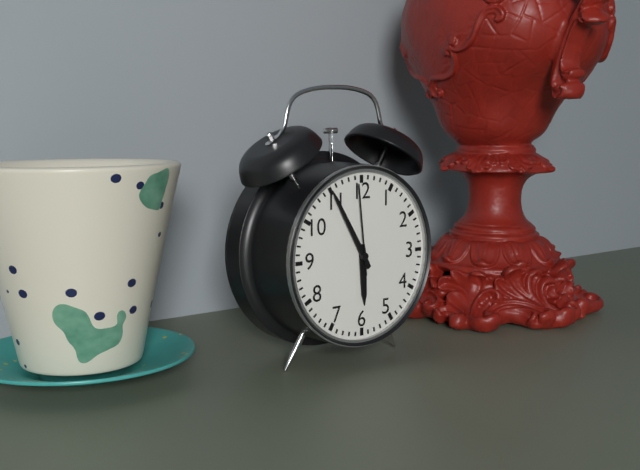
5:55:59
